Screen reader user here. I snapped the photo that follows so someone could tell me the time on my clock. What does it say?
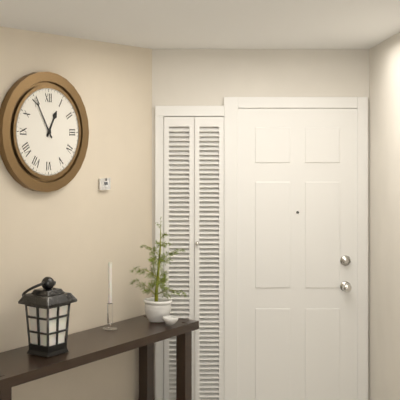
12:55
